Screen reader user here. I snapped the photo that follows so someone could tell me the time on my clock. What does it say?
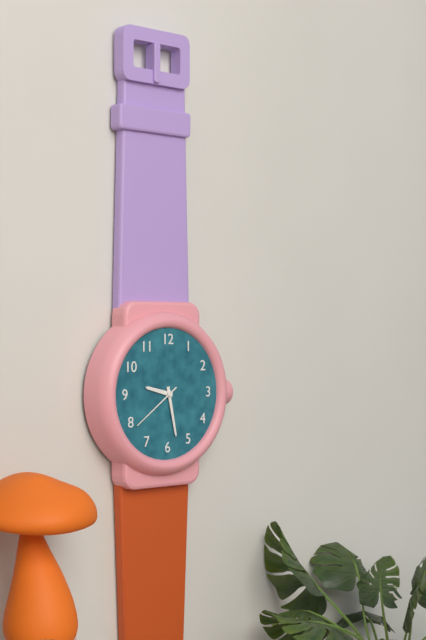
9:28:39
